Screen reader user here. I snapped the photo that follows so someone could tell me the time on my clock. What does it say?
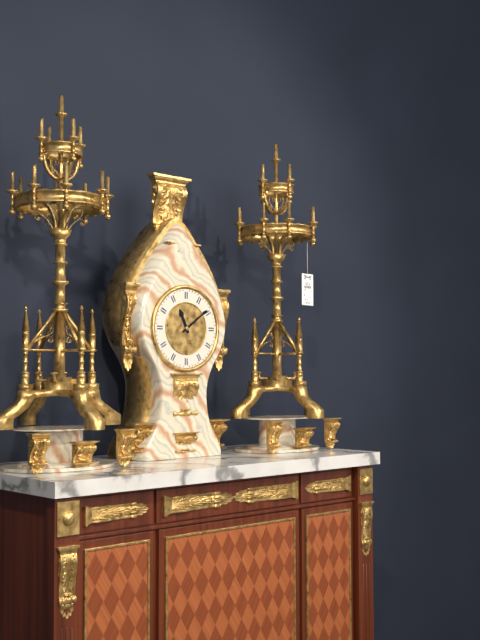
11:09
